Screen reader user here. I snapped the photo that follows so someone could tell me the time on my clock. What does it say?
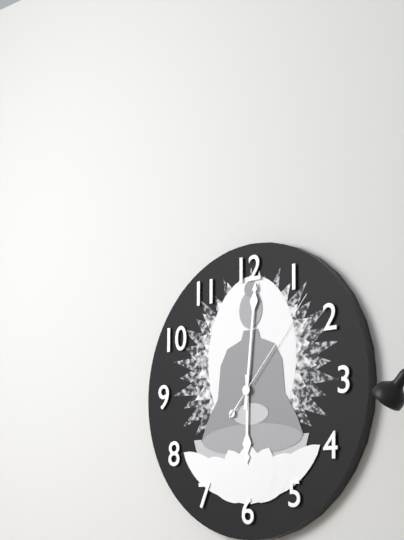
6:01:07
